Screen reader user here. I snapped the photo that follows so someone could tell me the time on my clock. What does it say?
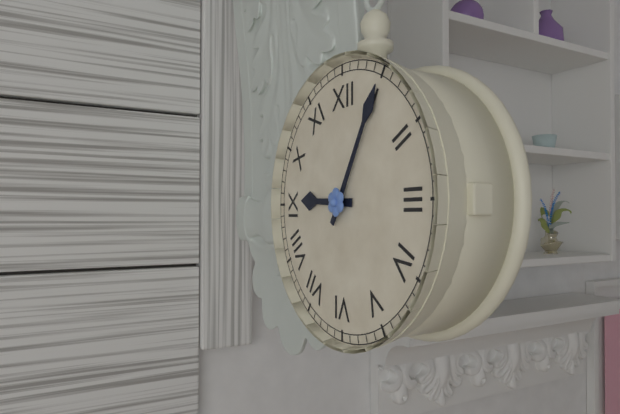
9:05
